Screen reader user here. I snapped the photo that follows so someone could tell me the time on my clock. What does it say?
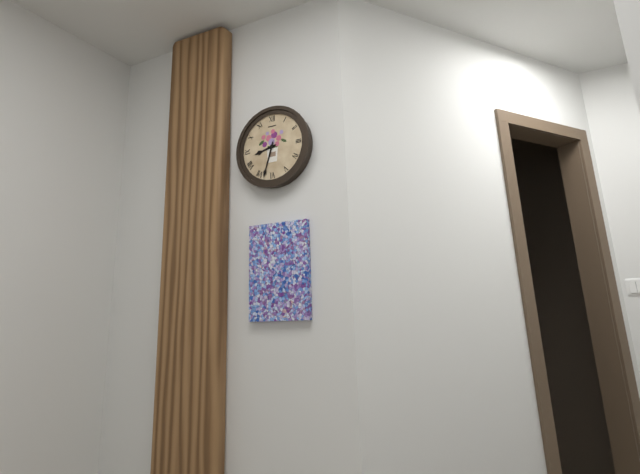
8:33
